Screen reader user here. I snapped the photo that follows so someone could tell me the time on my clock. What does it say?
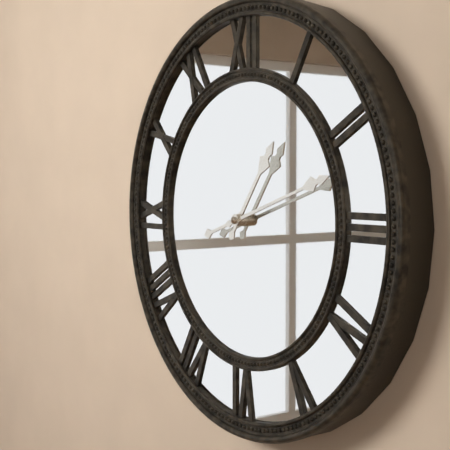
1:12
